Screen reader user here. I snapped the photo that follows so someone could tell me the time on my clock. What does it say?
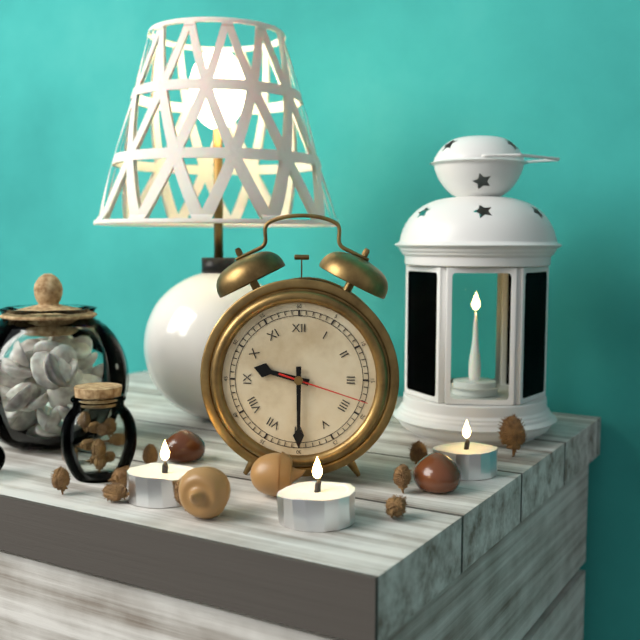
9:30:18
